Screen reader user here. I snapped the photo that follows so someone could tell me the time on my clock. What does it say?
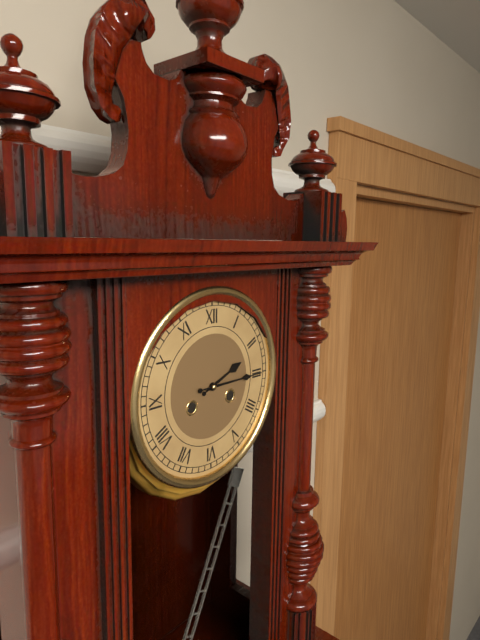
2:15
